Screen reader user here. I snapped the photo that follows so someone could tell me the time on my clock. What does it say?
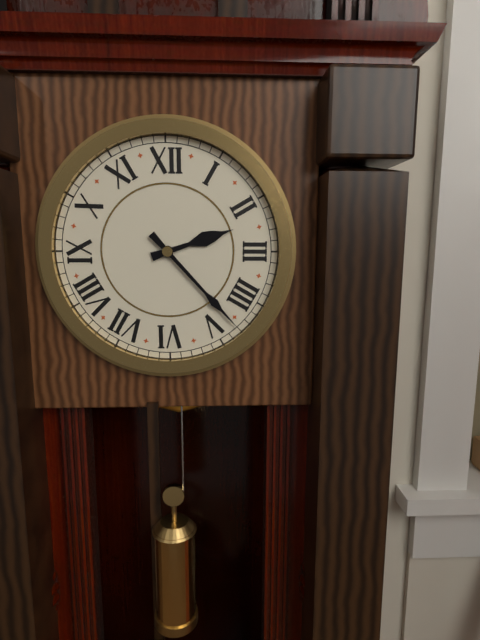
2:23
